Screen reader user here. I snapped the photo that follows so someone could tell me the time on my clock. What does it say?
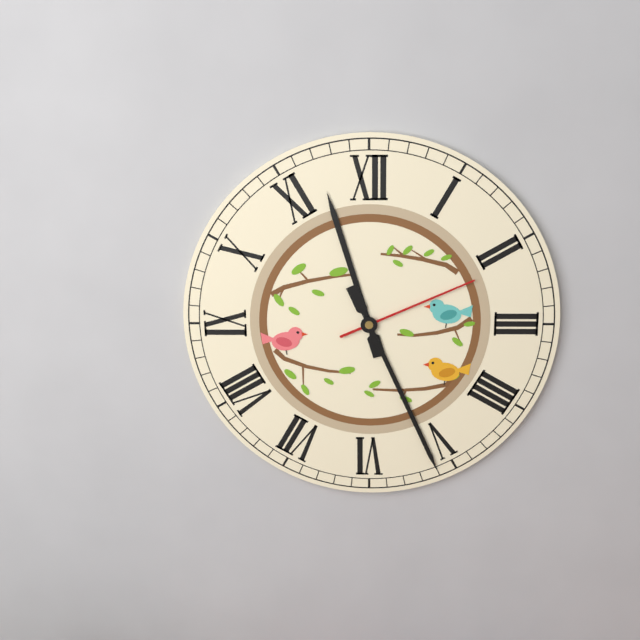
11:26:11
